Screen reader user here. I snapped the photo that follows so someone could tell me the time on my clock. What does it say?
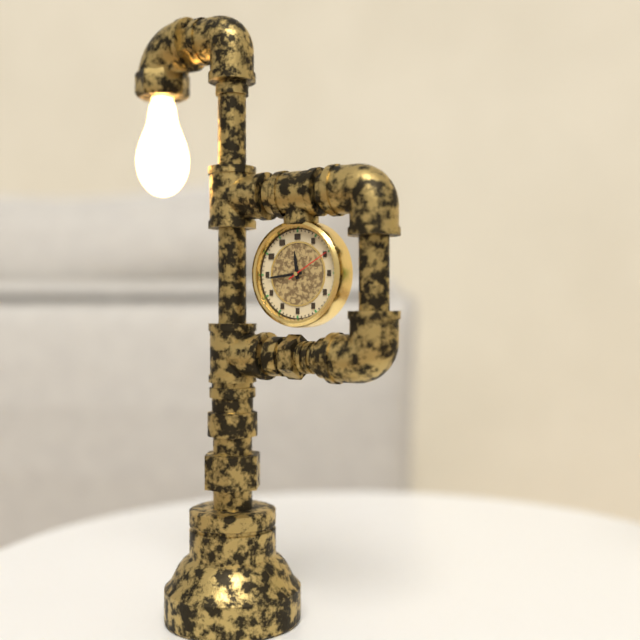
11:44
